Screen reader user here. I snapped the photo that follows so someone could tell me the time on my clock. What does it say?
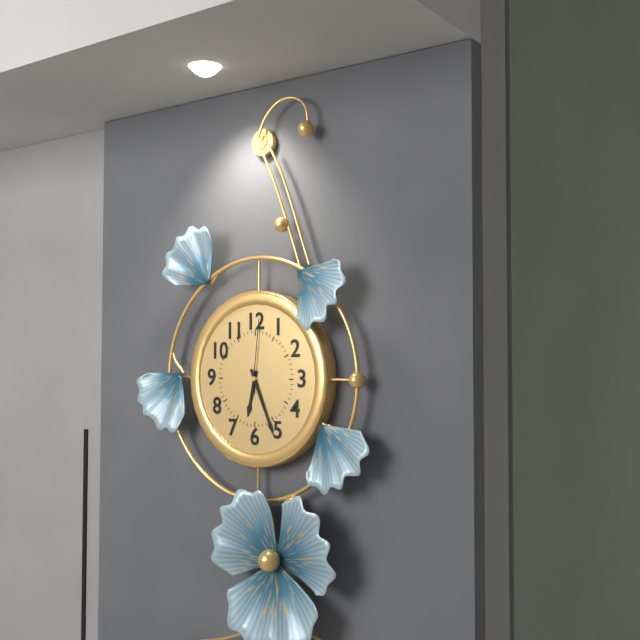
6:26:01
